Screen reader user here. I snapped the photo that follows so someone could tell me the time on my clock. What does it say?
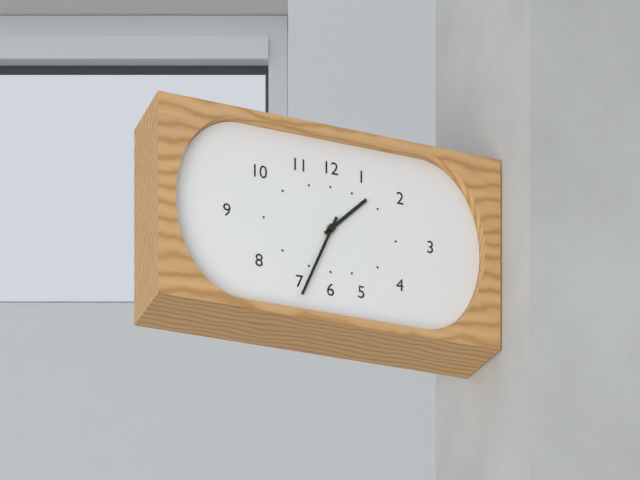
1:34
